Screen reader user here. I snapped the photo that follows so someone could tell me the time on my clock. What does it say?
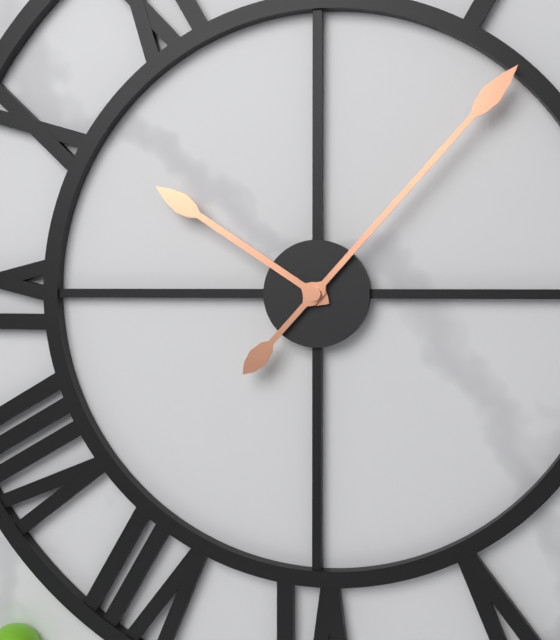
10:07
